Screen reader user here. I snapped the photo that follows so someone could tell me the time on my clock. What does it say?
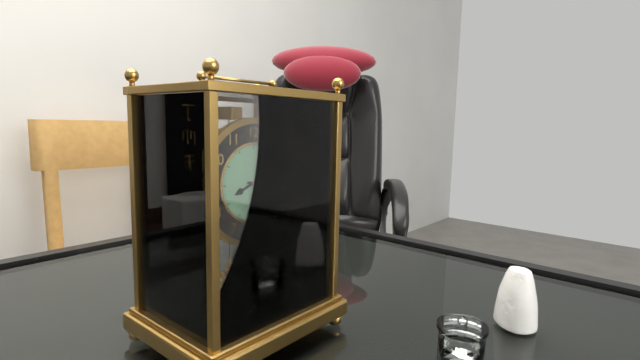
8:16
